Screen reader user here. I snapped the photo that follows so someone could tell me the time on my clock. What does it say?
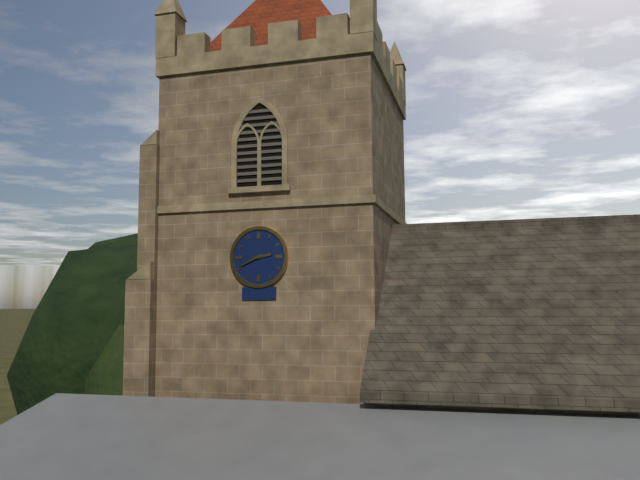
2:41
